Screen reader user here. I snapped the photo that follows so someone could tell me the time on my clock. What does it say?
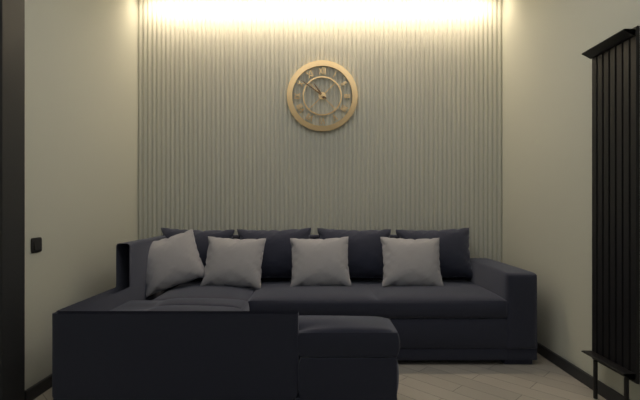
10:51
